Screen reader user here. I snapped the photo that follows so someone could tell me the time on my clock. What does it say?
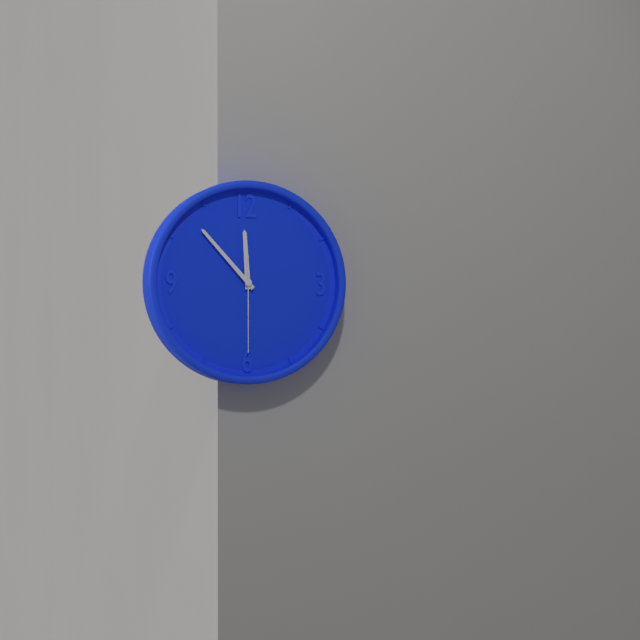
11:53:30
